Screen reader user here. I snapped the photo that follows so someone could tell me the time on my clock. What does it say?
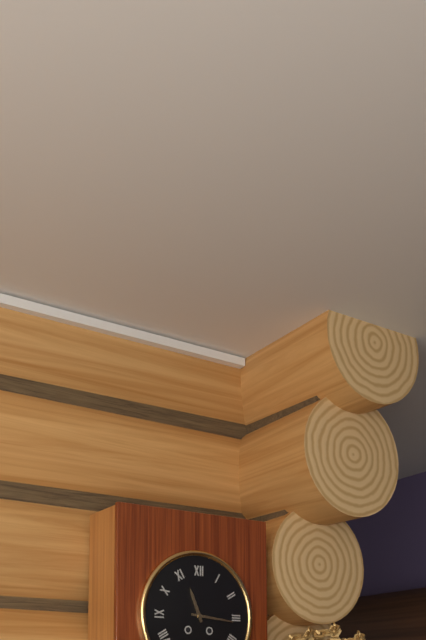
11:16
